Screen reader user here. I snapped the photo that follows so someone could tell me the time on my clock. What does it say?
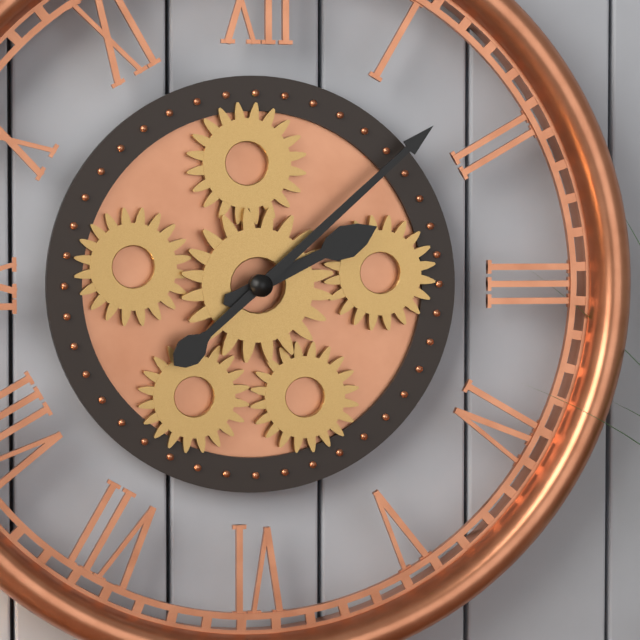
2:08
